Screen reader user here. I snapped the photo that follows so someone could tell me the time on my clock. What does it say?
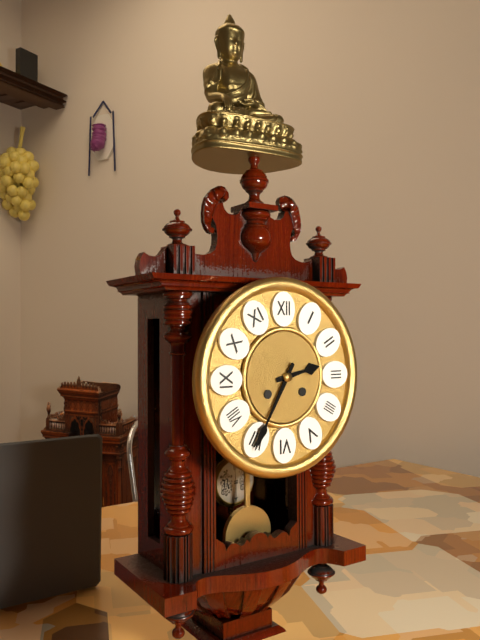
2:35
